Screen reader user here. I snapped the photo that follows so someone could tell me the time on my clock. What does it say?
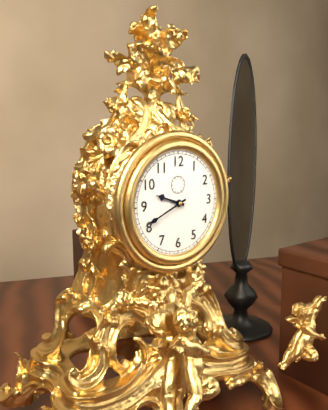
9:41
